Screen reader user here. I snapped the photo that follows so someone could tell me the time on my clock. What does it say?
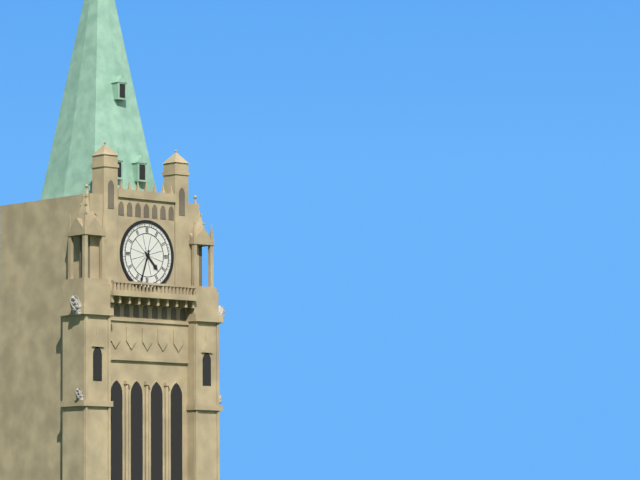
4:33
